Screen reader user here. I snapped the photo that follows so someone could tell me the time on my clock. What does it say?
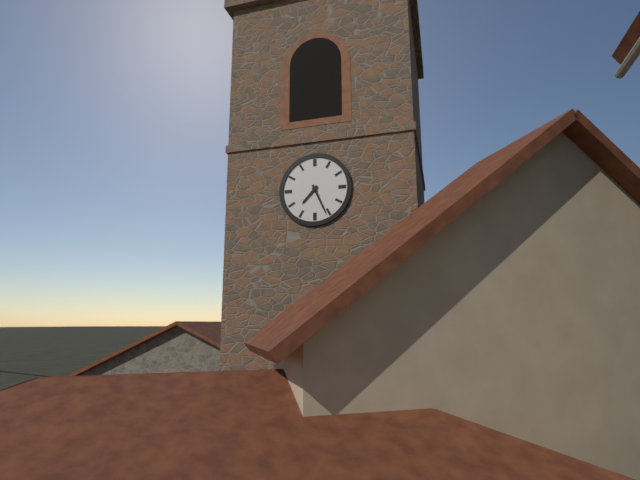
7:26
